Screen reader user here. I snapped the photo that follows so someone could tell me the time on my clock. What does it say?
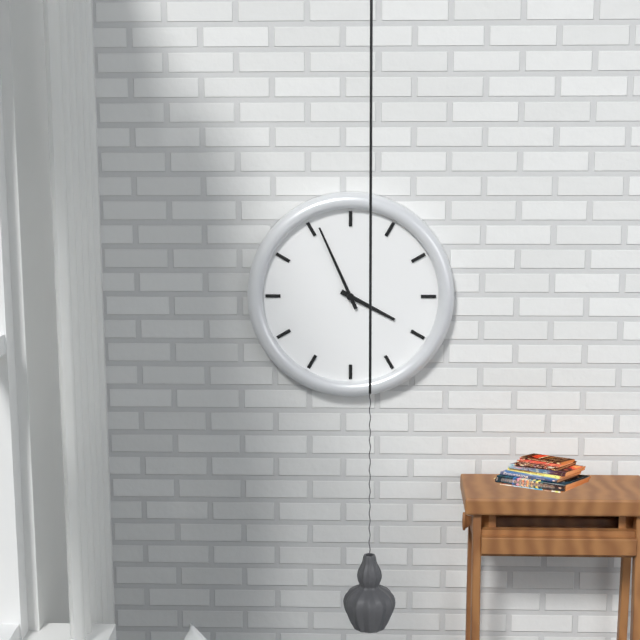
3:56
